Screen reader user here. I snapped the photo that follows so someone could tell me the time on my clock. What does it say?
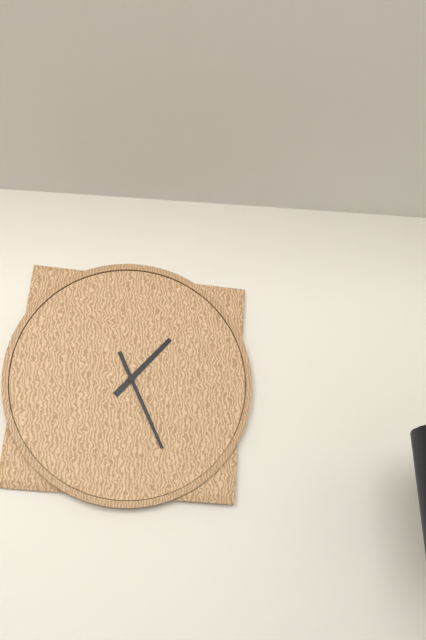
1:26
